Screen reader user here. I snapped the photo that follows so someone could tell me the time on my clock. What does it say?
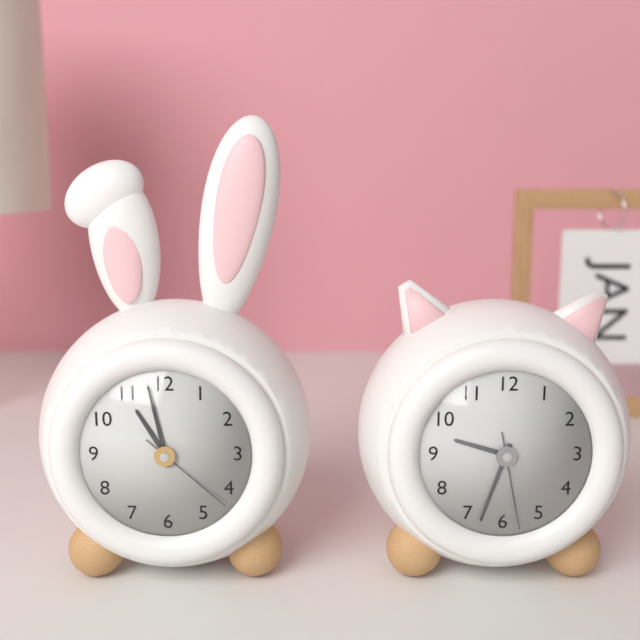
10:58:22
